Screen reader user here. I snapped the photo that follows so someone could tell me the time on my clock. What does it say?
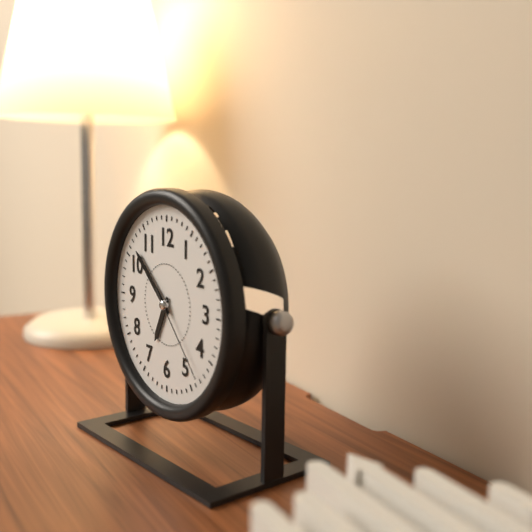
6:52:23
